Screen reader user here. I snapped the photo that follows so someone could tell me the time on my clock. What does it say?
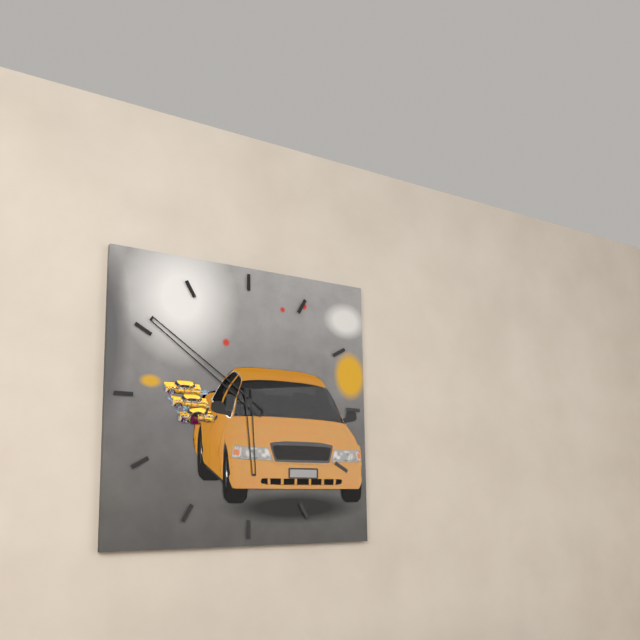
5:51
